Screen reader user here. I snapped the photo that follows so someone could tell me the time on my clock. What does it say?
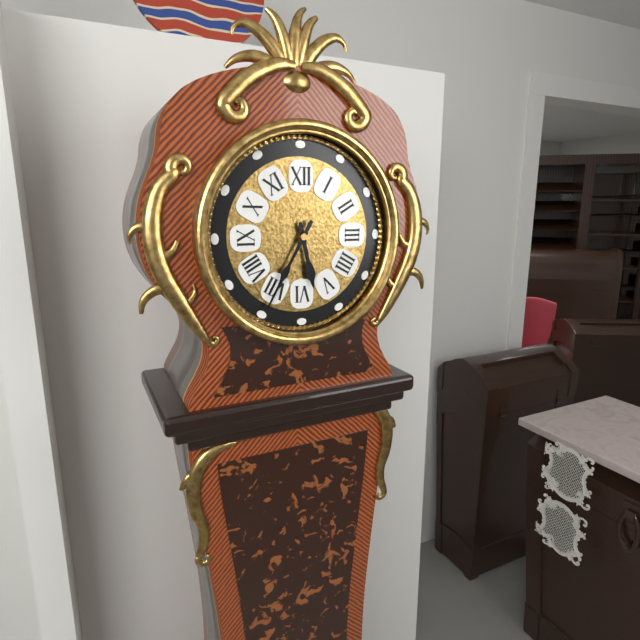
5:35
